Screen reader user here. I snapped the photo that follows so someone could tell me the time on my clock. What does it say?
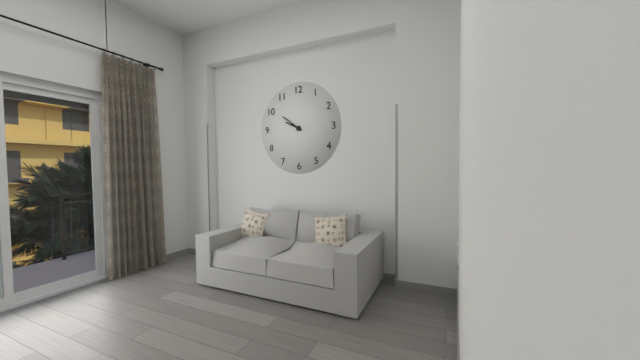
9:51
